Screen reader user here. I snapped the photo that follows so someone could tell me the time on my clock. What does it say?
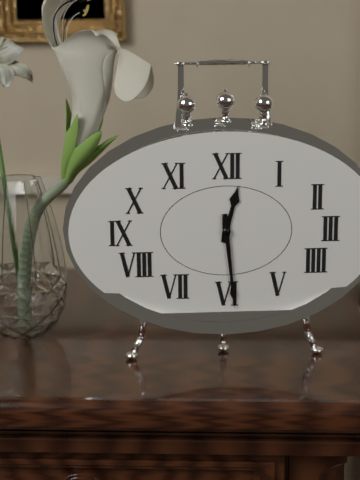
12:29
